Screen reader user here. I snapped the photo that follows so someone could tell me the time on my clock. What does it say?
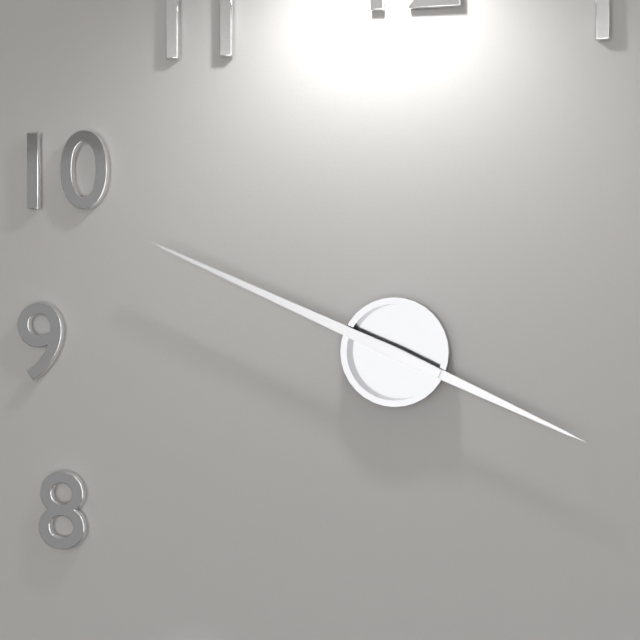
3:49
